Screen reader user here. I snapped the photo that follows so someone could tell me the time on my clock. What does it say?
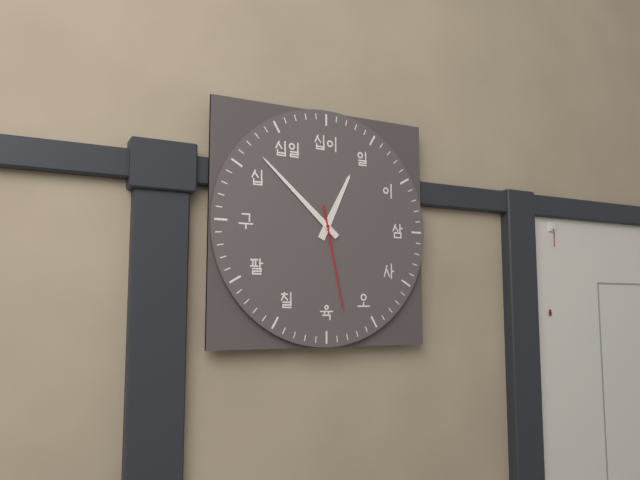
12:52:28
